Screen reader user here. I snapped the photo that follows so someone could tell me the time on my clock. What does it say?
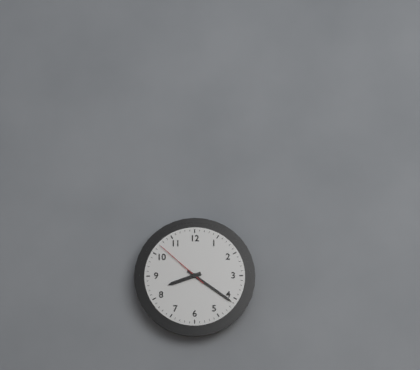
8:21:52
